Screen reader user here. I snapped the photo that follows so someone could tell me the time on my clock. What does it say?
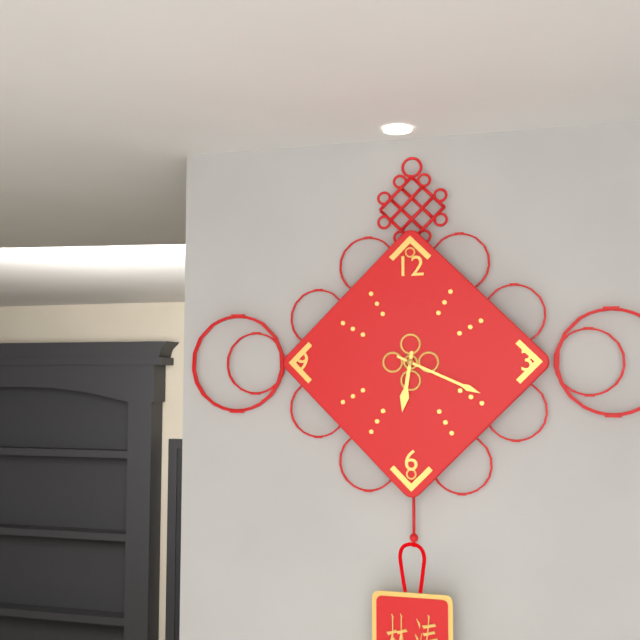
6:19
